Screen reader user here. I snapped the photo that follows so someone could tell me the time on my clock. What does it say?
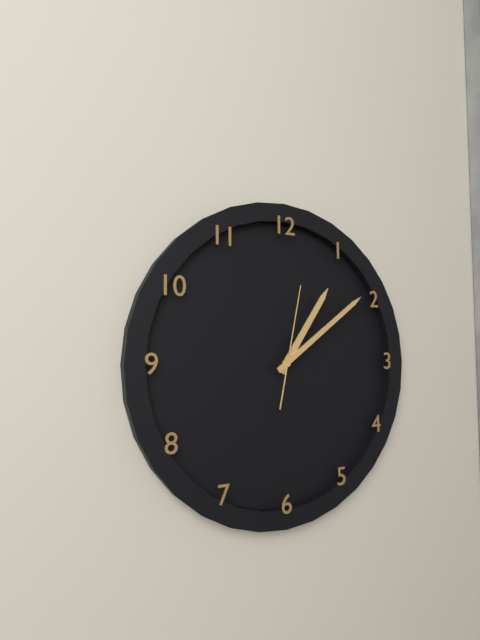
1:09:02
